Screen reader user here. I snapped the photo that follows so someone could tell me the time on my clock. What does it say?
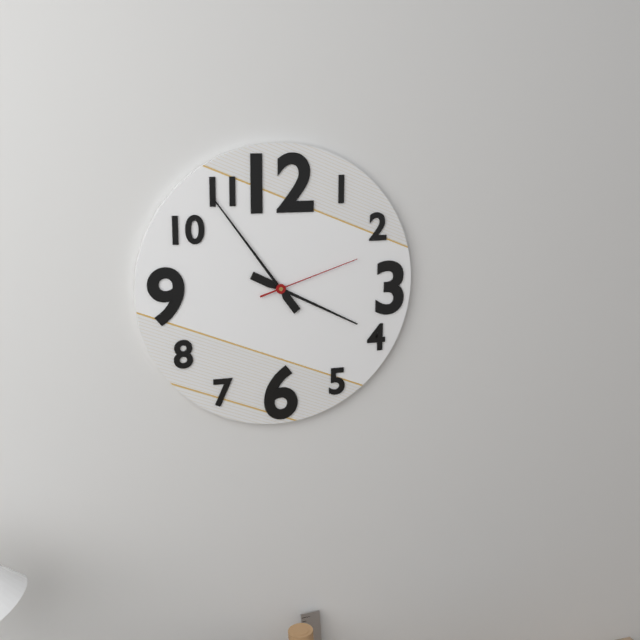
3:54:12
